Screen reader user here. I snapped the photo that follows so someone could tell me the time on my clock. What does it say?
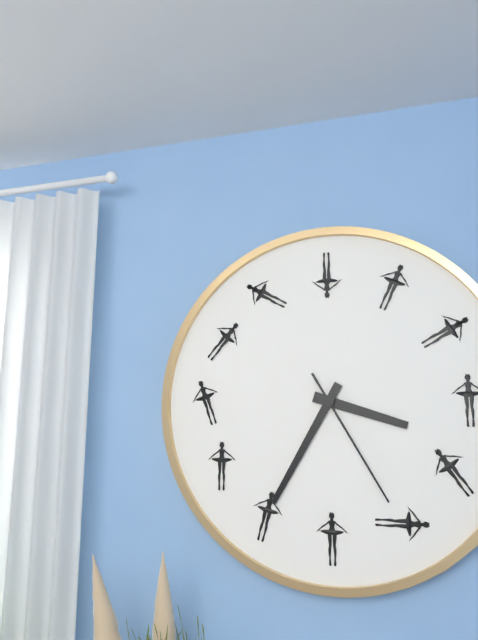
3:35:25
